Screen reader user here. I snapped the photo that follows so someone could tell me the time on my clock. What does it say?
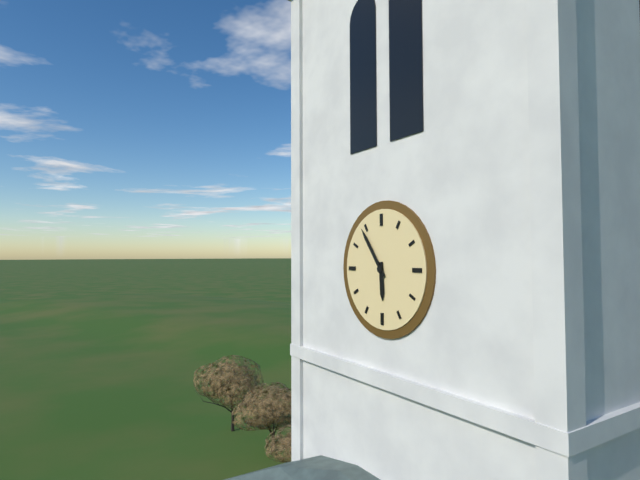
5:54
